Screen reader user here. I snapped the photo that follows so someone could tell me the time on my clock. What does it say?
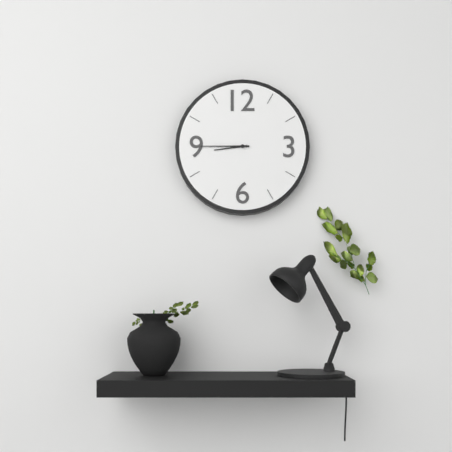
8:45
